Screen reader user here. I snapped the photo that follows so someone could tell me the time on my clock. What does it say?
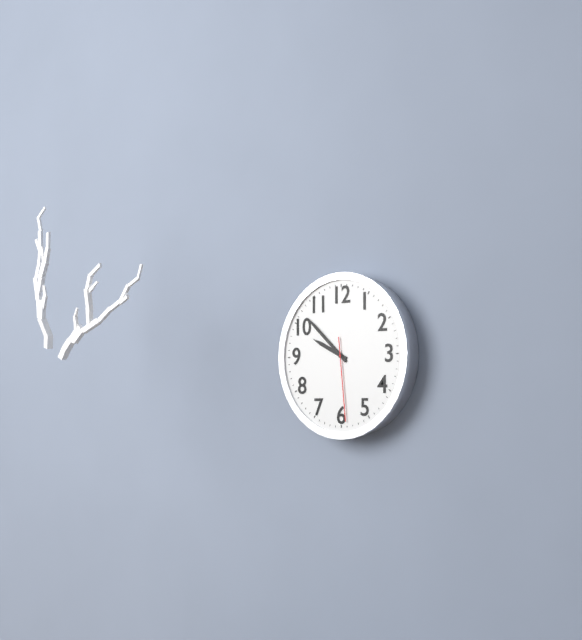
9:52:29
